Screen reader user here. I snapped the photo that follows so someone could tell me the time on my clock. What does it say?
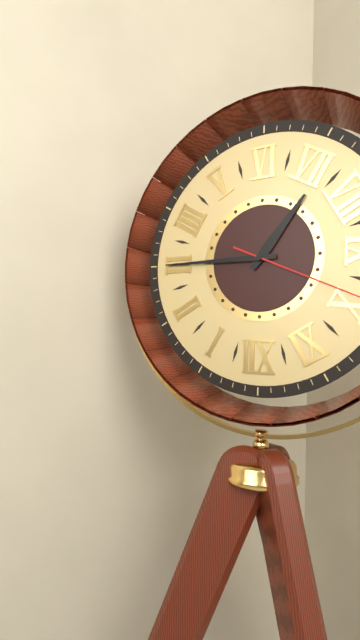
7:15
